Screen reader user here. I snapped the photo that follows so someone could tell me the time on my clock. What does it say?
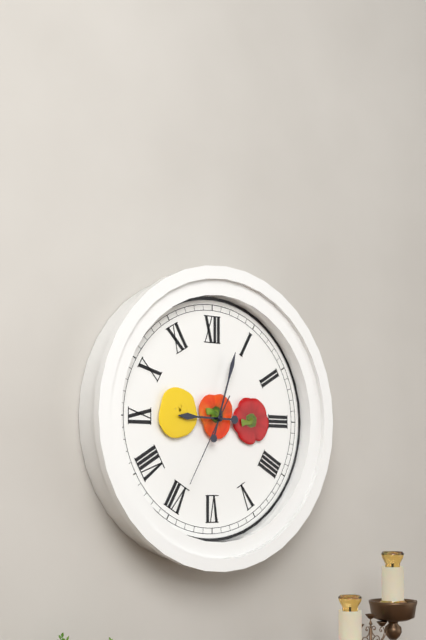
9:03:35
